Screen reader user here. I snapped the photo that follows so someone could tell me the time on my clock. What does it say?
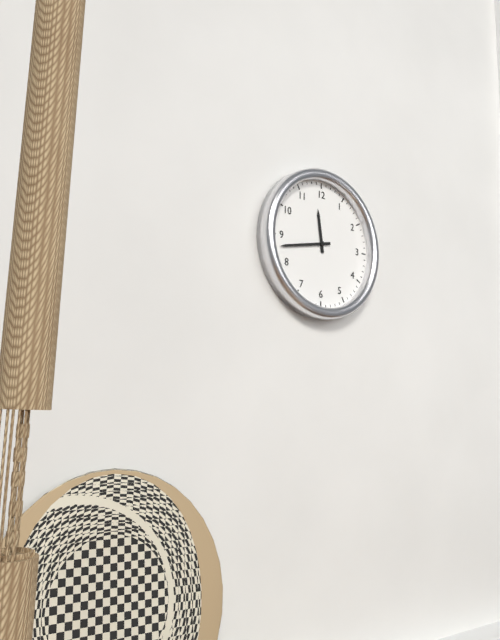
11:43
